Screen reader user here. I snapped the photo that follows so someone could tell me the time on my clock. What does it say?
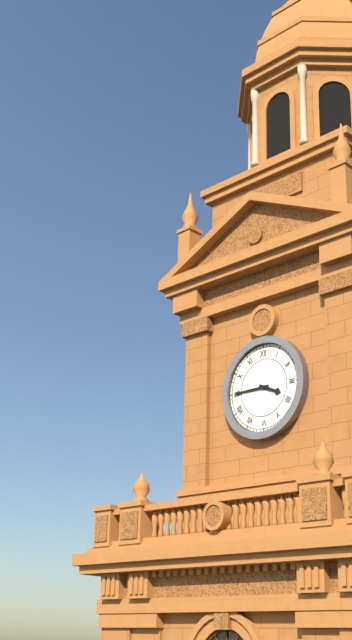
3:45
